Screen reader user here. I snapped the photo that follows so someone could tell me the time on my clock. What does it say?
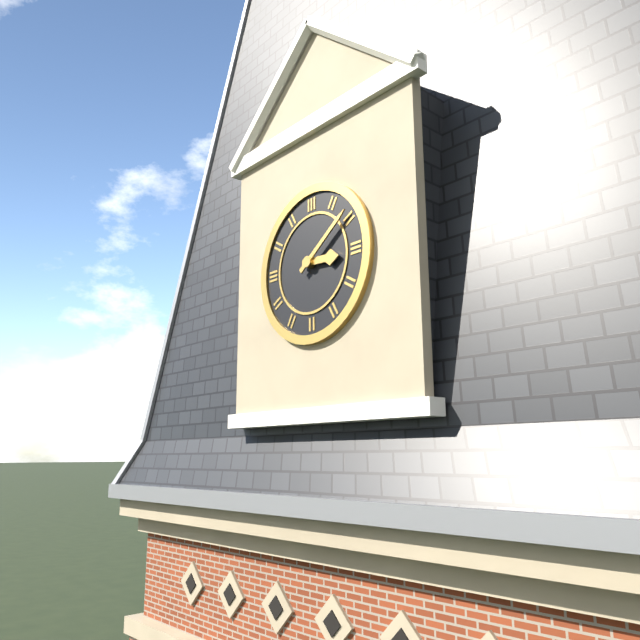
3:09
